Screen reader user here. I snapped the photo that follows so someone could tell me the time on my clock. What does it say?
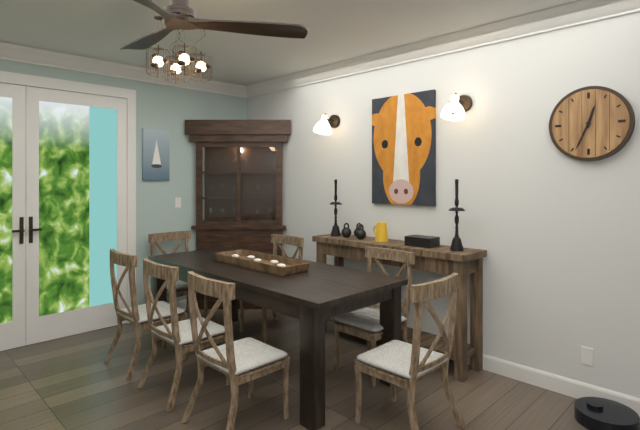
12:34
